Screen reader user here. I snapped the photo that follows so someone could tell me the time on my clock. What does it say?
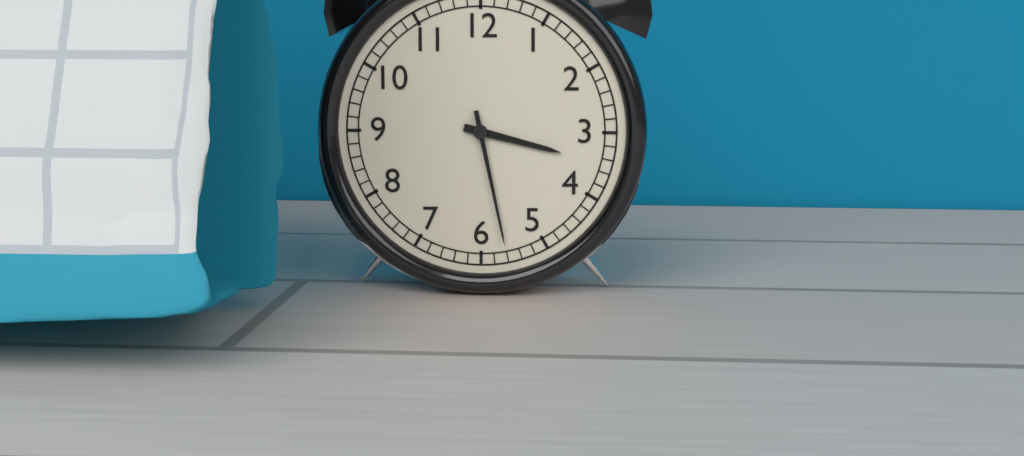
3:28
